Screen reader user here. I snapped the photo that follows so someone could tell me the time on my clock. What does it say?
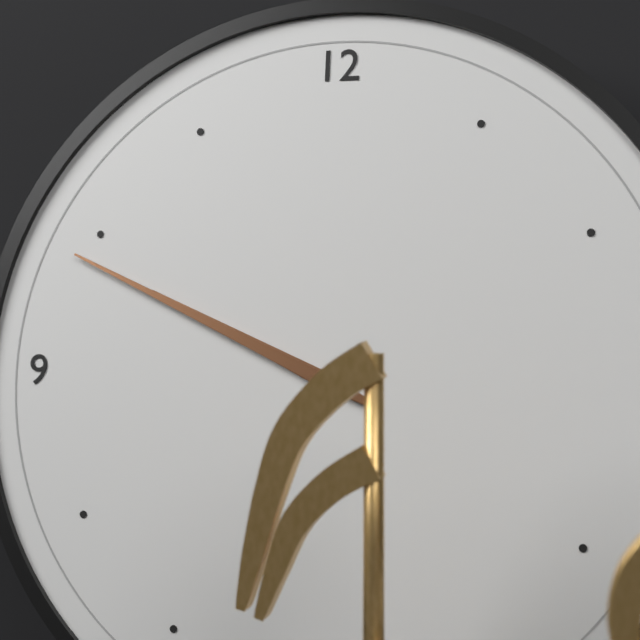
9:49
